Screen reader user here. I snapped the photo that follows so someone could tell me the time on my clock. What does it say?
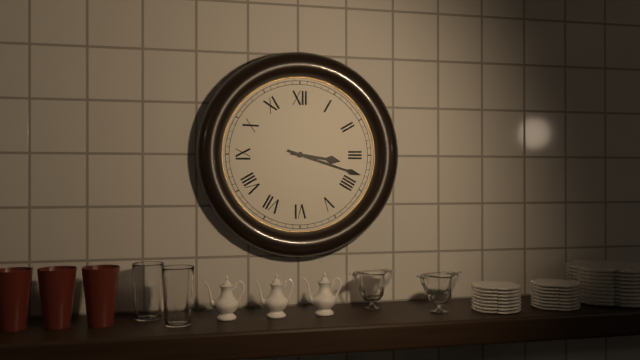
3:18
